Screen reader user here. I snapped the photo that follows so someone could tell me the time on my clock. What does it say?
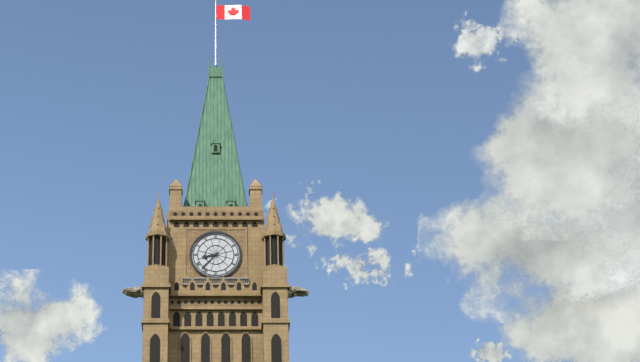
8:37
